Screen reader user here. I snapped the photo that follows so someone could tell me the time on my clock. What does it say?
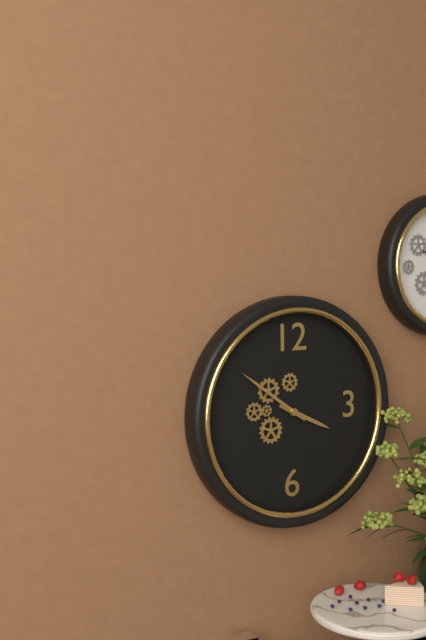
3:51
